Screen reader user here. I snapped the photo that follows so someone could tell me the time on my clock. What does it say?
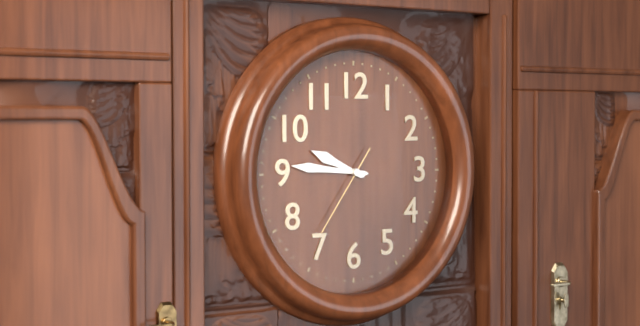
9:46:36
